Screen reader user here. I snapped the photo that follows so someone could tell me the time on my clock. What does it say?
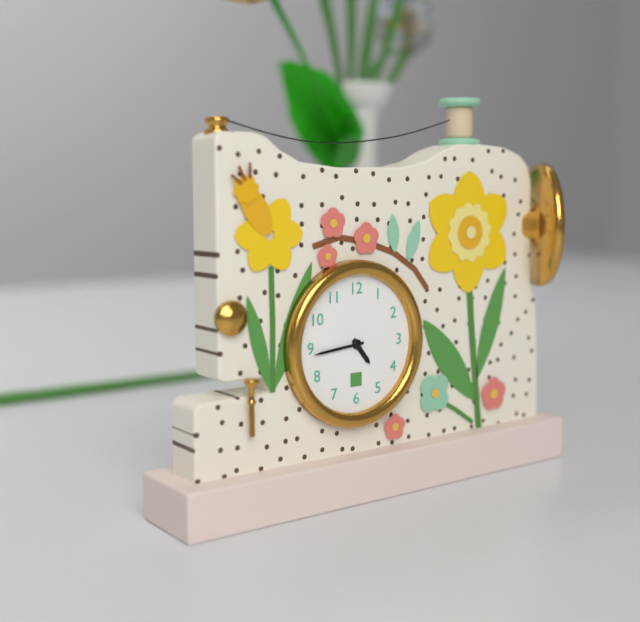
4:44
